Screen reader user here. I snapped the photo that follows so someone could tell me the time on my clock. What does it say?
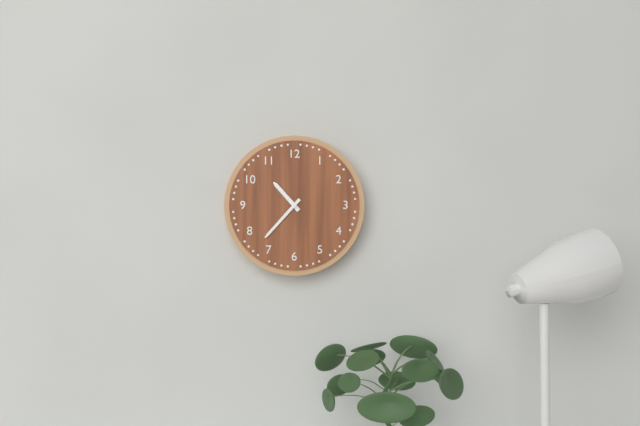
10:37
